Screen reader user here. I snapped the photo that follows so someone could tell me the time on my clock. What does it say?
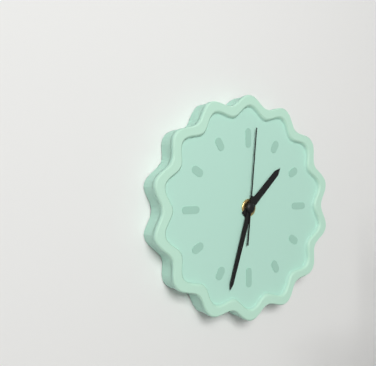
1:33:01
